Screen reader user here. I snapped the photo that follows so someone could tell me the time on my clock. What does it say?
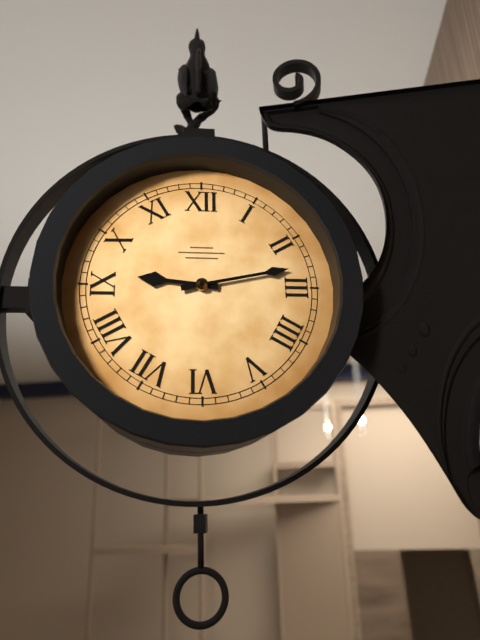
9:13
